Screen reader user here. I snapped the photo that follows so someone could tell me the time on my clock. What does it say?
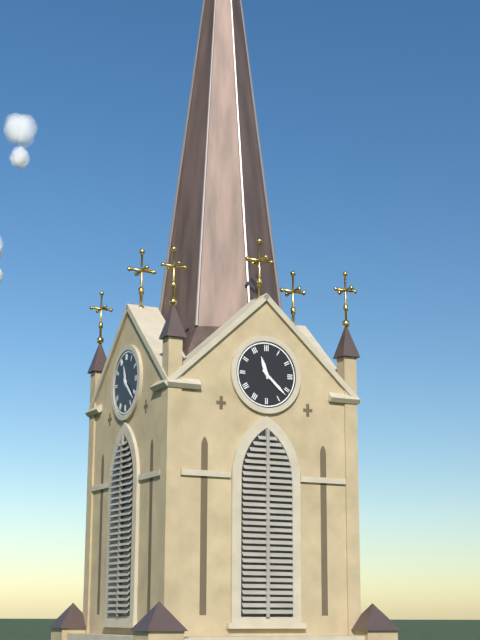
11:22
